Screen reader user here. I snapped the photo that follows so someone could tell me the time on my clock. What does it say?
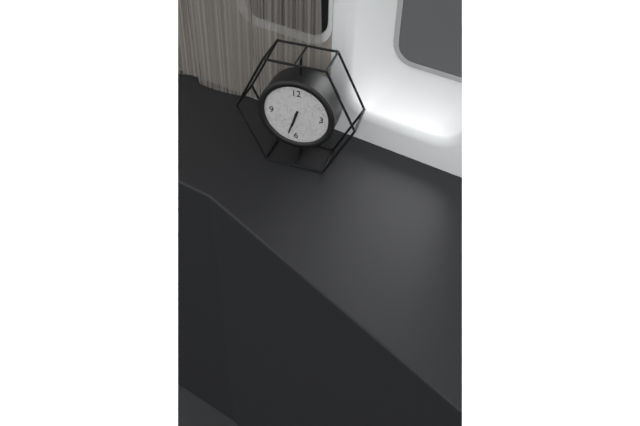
6:33
